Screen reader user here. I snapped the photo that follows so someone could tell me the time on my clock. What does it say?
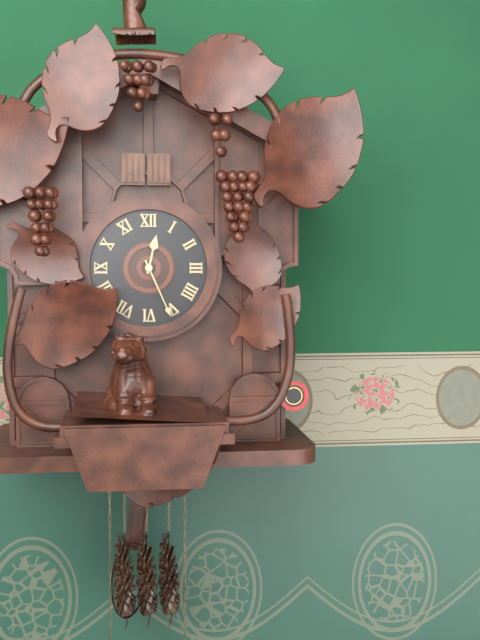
12:26
